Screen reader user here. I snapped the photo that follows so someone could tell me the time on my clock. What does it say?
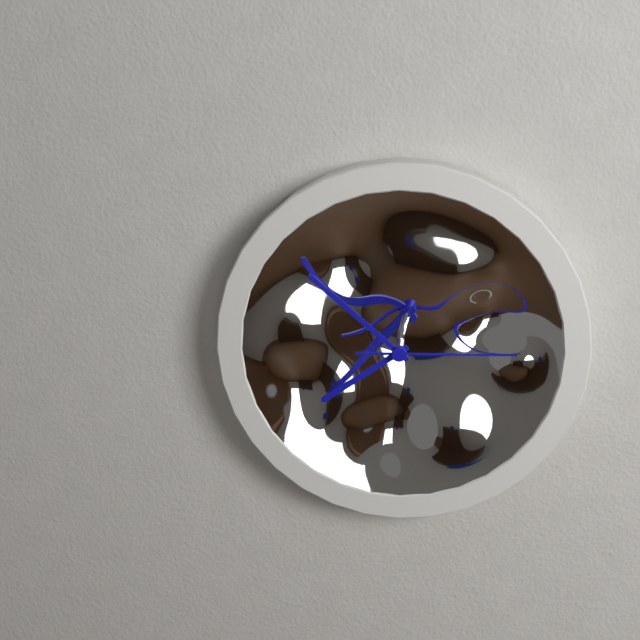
7:52:15
